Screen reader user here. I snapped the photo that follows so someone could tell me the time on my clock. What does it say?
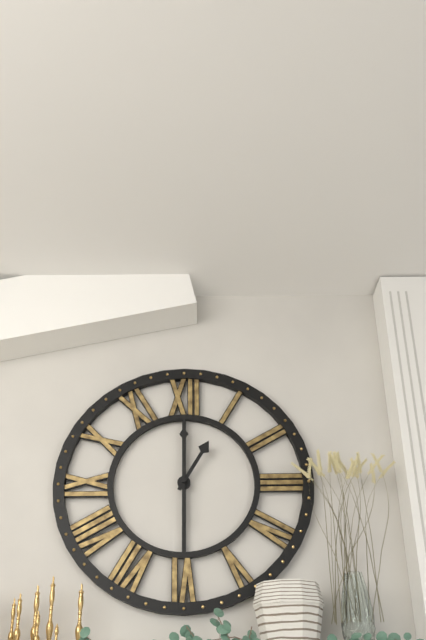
1:00
